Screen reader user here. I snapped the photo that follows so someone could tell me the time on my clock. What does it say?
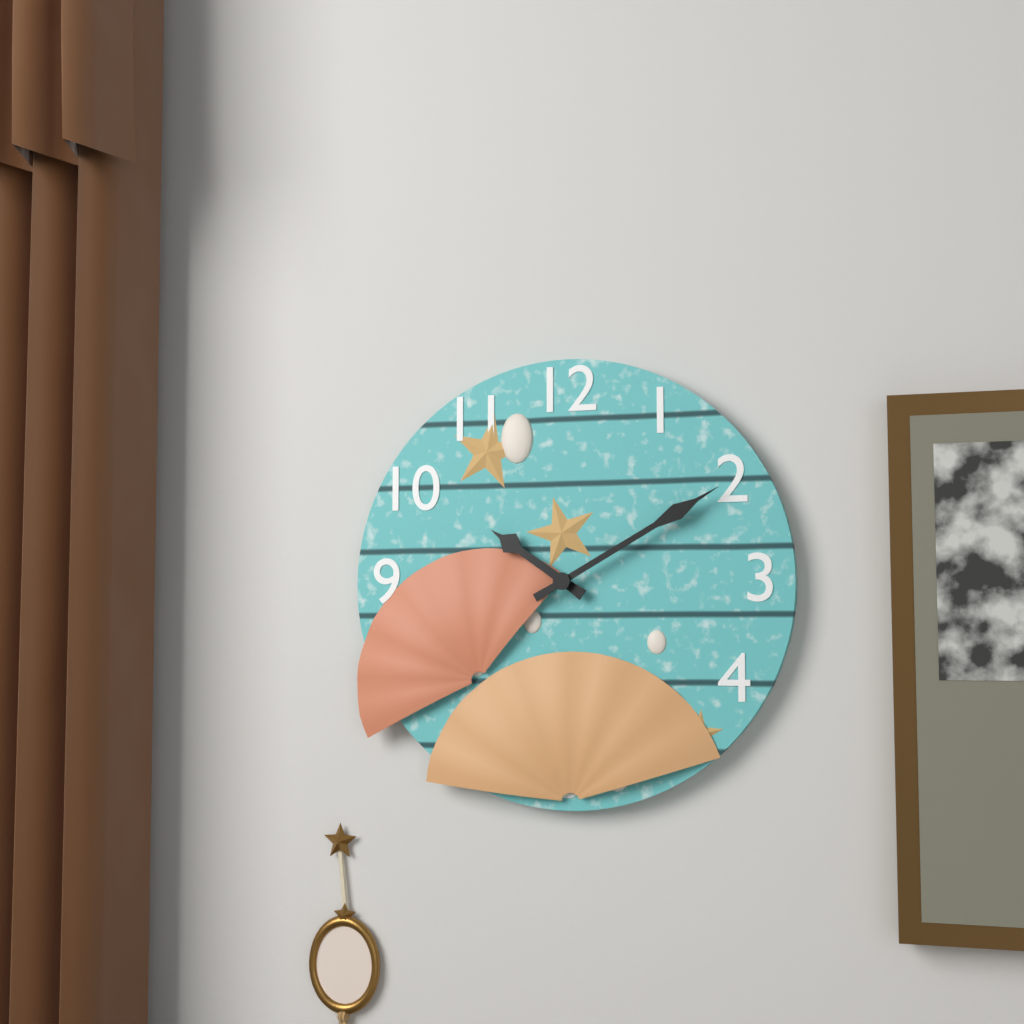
10:10
